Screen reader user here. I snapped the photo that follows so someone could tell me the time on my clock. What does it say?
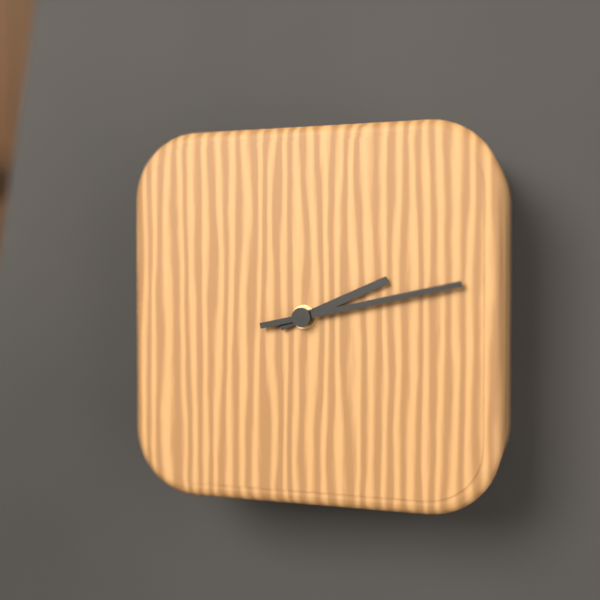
2:13
